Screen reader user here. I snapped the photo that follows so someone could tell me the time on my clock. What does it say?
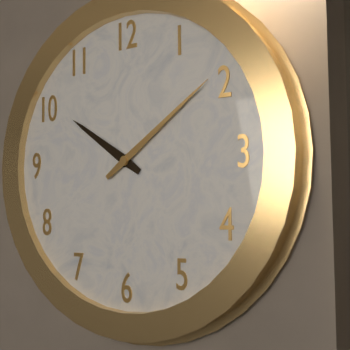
10:09
